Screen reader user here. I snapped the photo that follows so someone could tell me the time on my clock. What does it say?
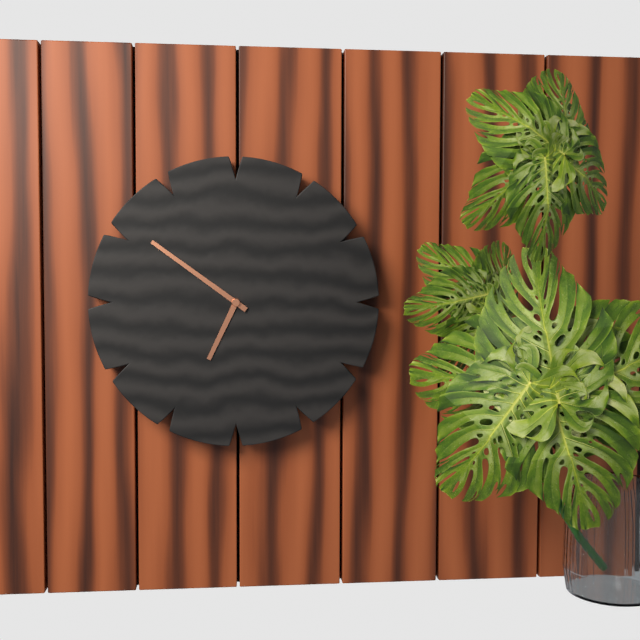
6:51
